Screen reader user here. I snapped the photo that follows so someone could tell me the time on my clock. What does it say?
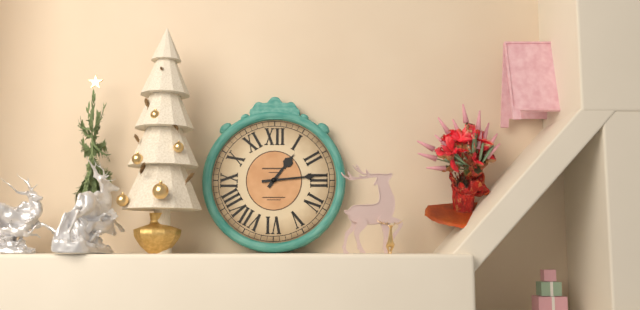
1:14
